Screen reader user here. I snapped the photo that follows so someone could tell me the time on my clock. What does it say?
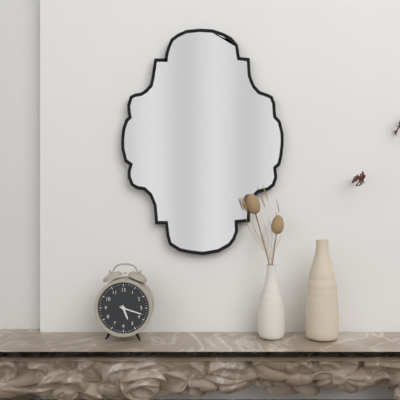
5:18
